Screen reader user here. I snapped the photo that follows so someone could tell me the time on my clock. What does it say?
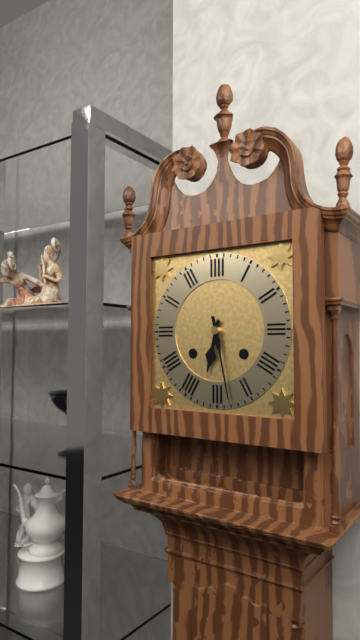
6:28
